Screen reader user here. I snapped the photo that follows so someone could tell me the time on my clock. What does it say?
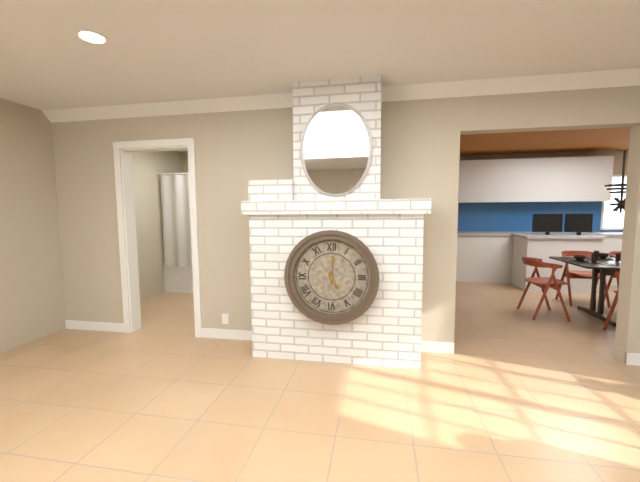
5:01
